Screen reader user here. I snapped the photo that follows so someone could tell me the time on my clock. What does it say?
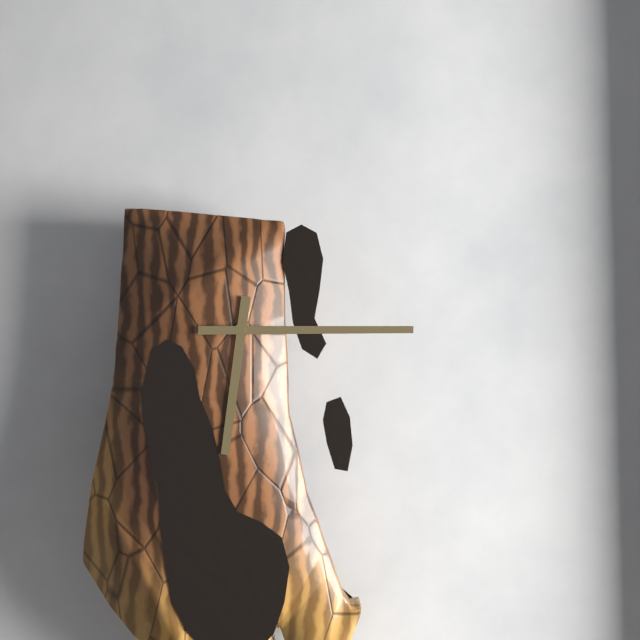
6:15
